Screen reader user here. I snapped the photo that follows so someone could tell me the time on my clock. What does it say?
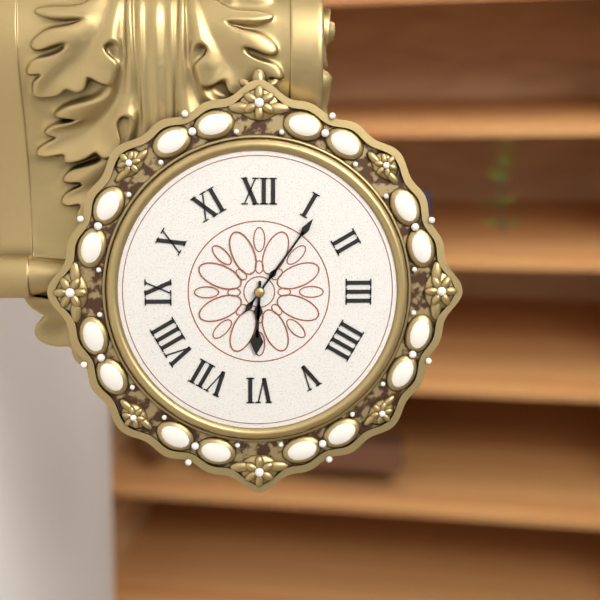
6:06
